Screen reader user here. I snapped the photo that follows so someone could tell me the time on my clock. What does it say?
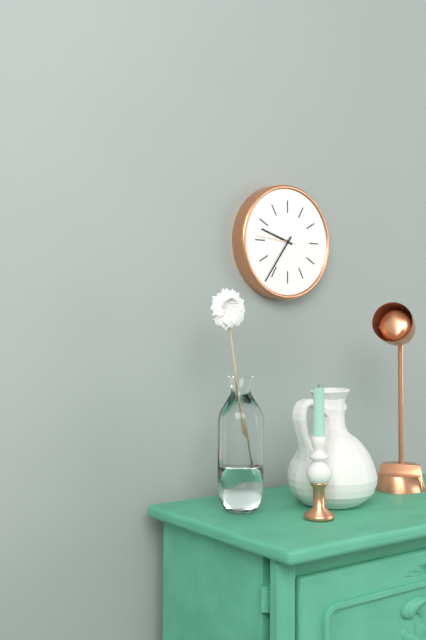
9:36
